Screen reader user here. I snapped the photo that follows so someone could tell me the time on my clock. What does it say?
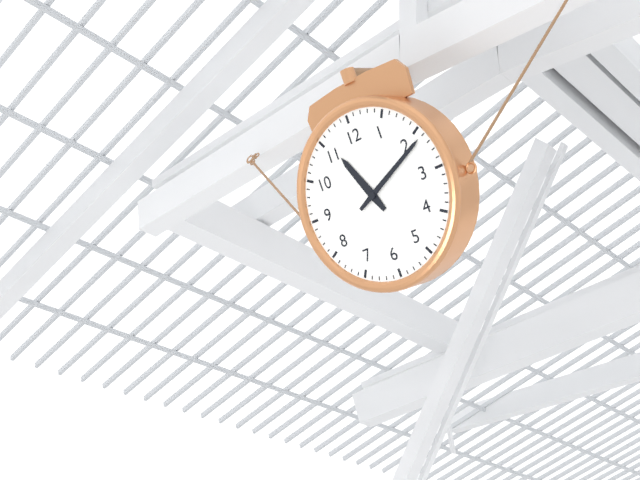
11:11
